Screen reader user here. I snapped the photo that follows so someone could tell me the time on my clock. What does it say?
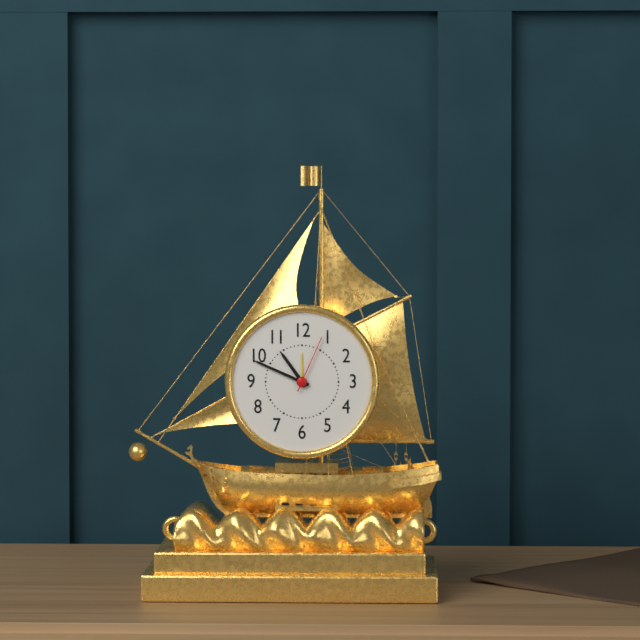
10:49:04
